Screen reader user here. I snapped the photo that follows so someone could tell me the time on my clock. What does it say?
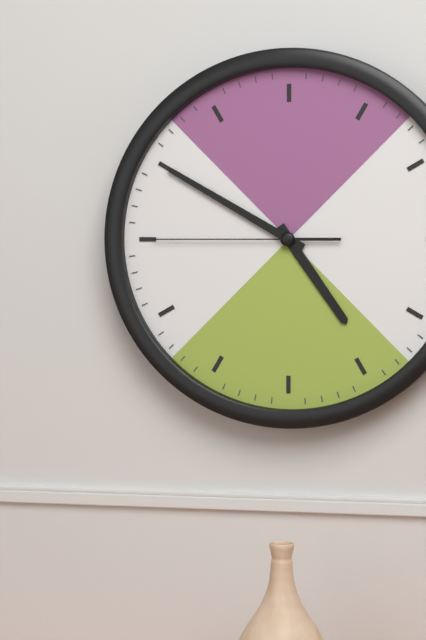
4:50:45
